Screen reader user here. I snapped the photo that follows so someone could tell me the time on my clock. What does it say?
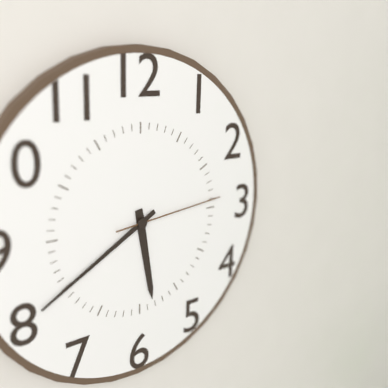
5:40:14
